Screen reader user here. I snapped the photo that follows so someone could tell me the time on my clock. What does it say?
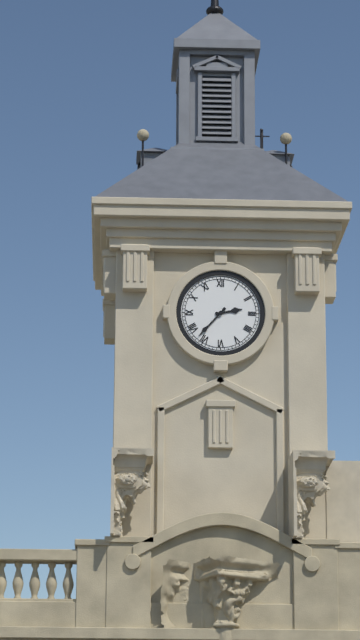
2:37
